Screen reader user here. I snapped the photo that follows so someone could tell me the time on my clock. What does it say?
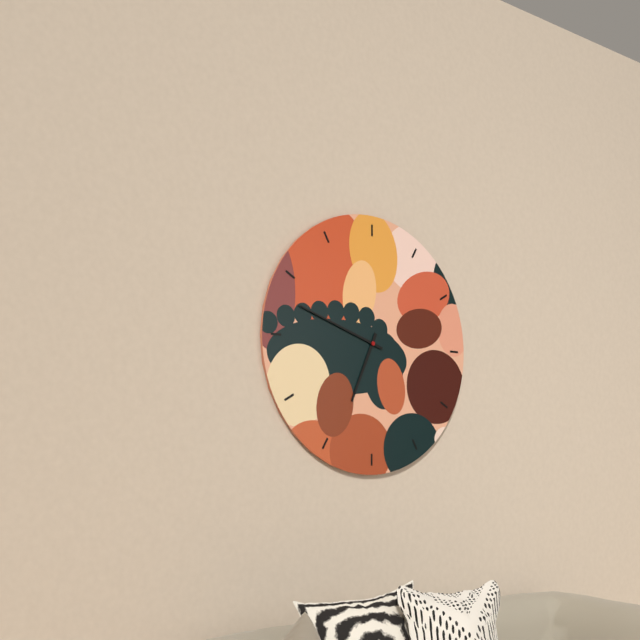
6:48
